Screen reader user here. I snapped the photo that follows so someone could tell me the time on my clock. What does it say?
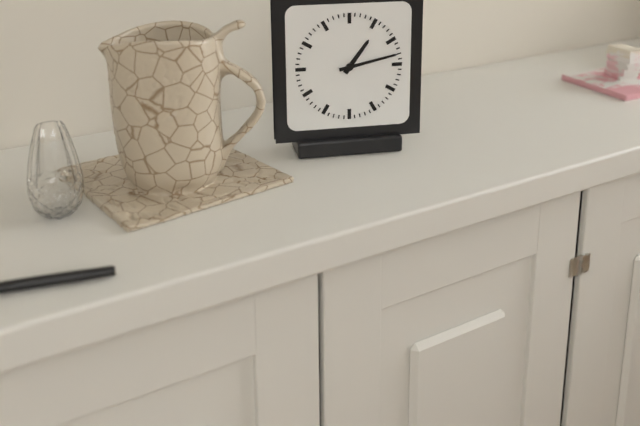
1:13
